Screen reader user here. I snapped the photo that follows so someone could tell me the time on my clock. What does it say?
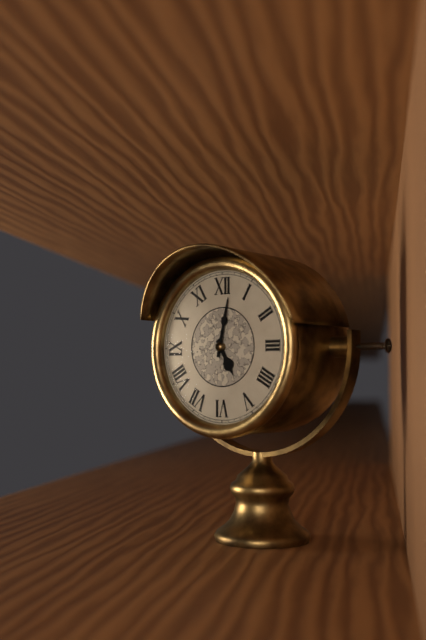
5:02
